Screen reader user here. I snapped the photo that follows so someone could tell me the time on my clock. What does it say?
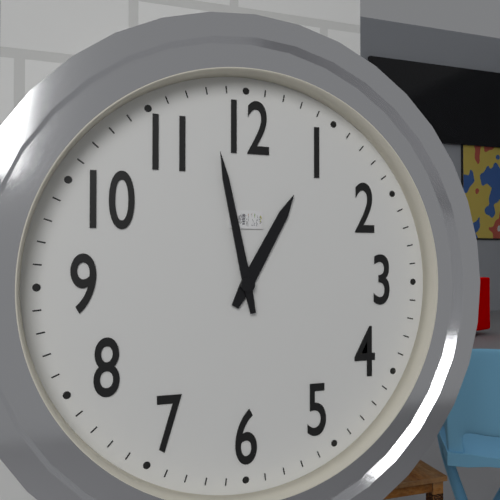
12:58
